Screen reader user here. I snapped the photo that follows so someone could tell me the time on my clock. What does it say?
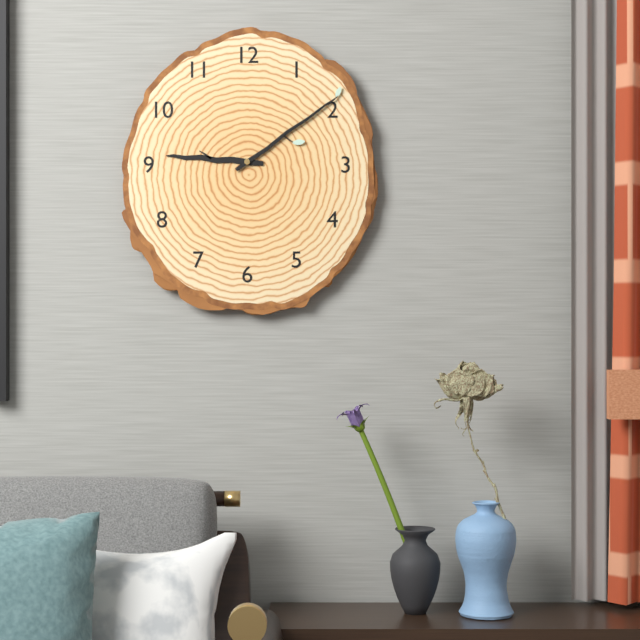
9:09
